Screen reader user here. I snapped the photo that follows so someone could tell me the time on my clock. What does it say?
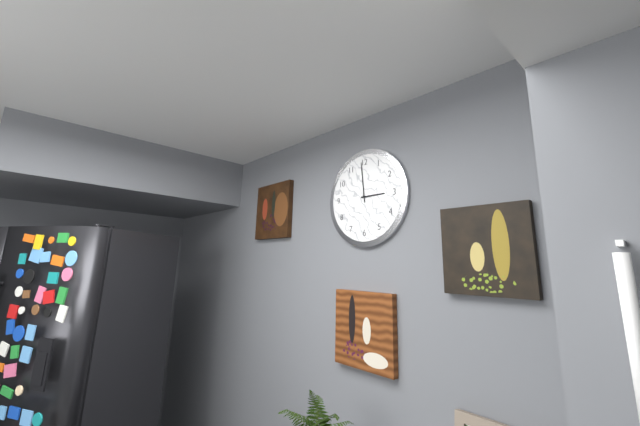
2:59
